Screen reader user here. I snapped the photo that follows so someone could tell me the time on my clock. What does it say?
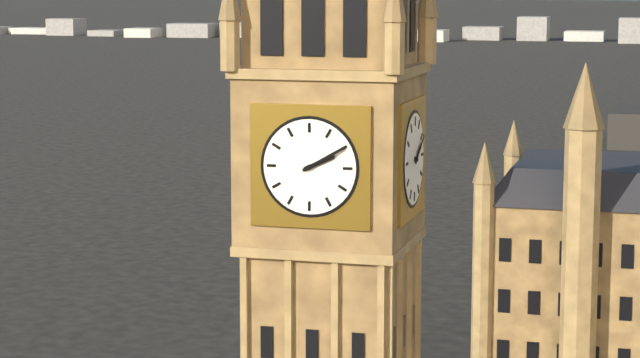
2:10
